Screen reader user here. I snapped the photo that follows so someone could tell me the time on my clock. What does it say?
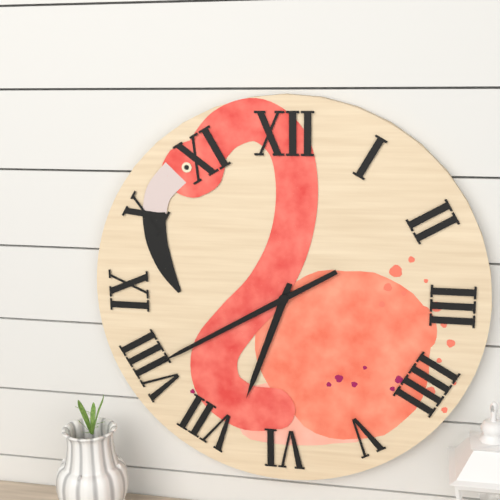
6:40
